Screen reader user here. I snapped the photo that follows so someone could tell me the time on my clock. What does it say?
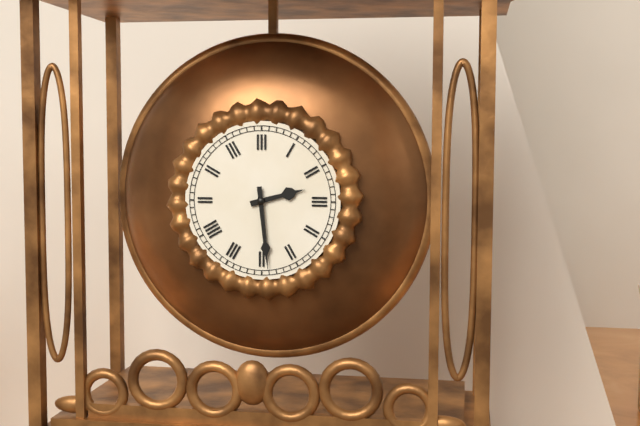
2:29
